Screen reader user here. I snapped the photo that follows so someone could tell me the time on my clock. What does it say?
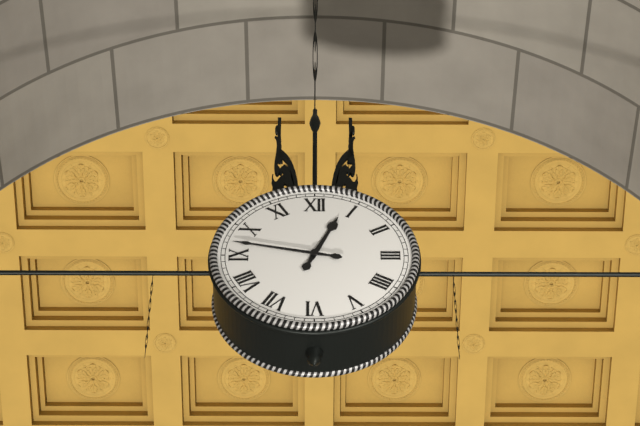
12:47
